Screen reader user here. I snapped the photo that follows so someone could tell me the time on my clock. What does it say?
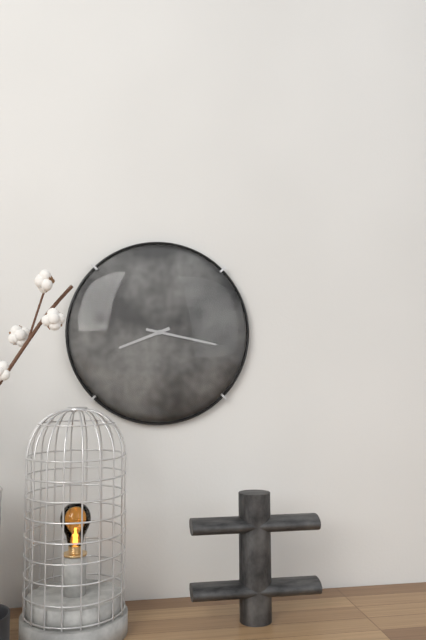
8:17
